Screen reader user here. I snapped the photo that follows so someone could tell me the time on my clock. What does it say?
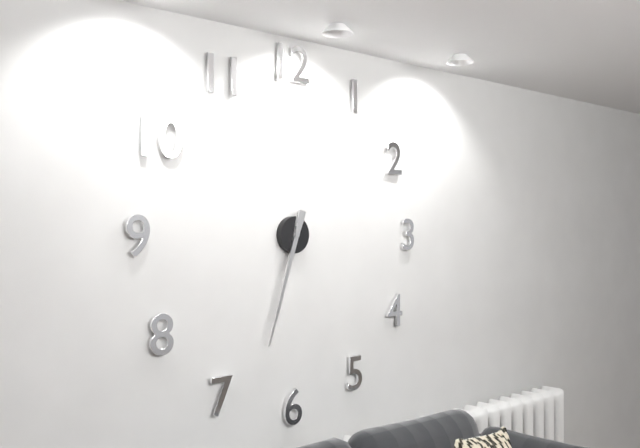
6:33
